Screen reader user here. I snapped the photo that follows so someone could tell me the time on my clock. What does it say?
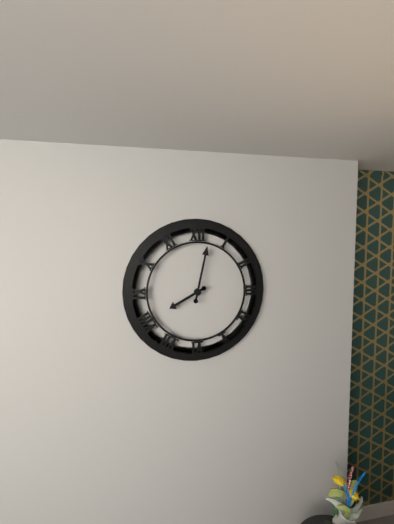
8:02
